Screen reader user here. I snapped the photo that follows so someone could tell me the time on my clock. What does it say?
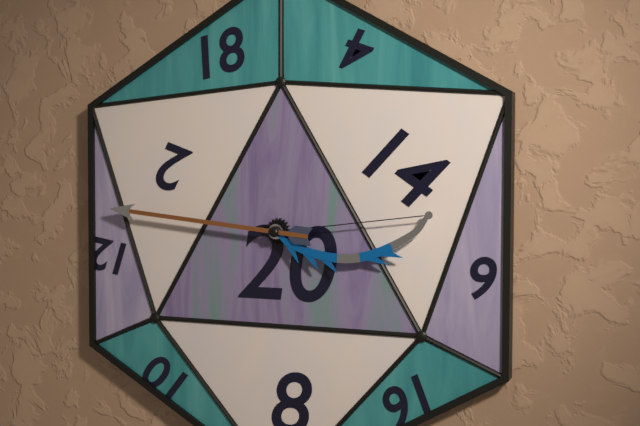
2:46
